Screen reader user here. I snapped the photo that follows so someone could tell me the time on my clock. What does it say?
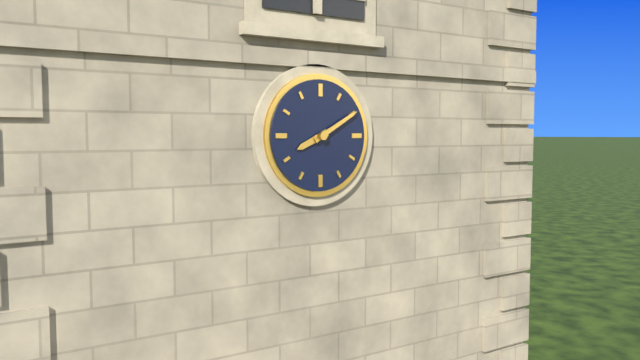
8:10
